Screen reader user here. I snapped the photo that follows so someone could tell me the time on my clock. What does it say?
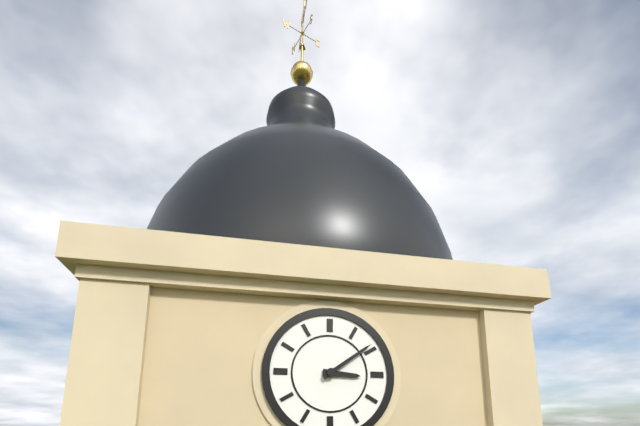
3:09
